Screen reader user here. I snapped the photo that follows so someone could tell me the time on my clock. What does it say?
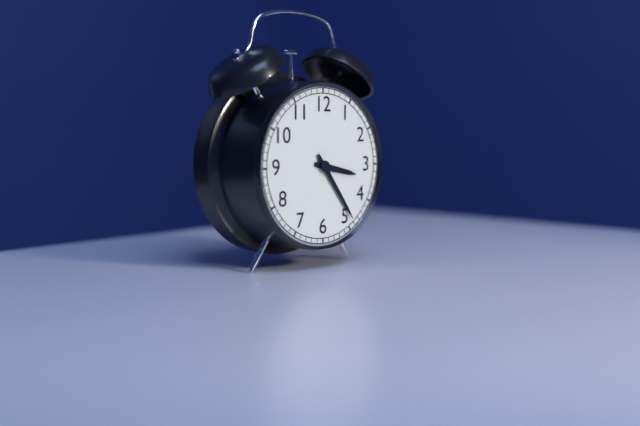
3:24
